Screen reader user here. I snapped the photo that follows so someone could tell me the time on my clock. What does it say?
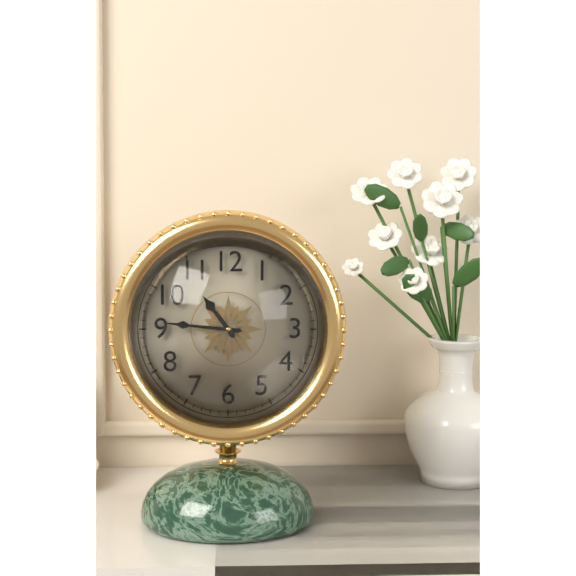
10:46
